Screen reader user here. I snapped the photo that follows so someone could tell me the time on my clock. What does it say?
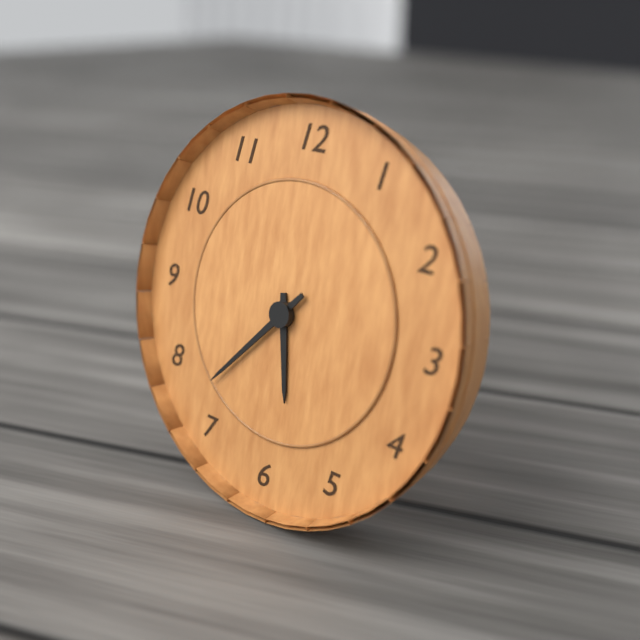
5:37
